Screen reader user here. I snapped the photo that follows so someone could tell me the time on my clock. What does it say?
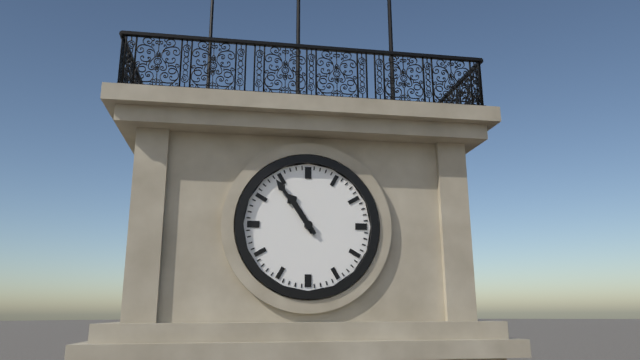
10:54
